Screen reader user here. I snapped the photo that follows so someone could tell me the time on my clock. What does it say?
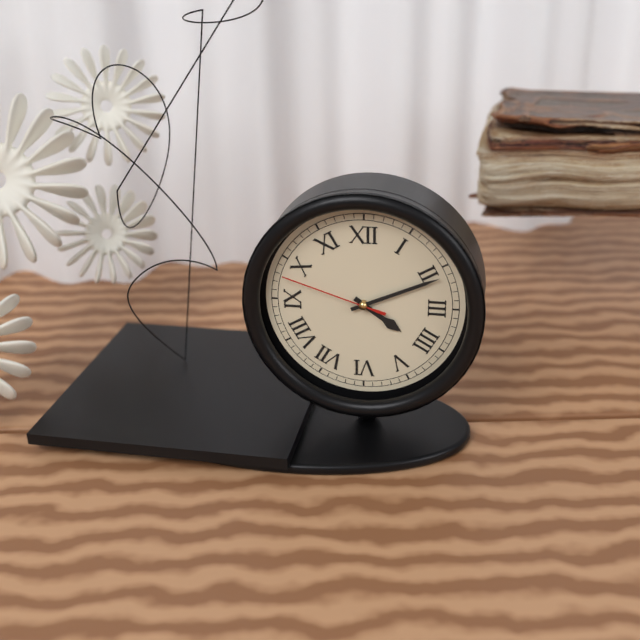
4:11:48
